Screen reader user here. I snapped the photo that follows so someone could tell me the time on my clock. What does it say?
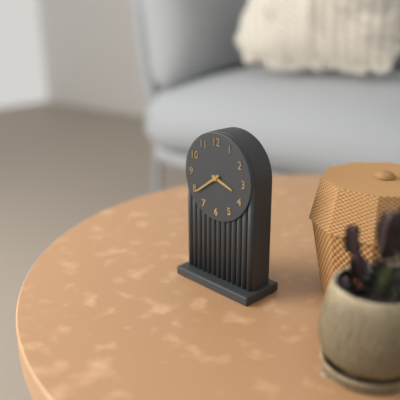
3:39
